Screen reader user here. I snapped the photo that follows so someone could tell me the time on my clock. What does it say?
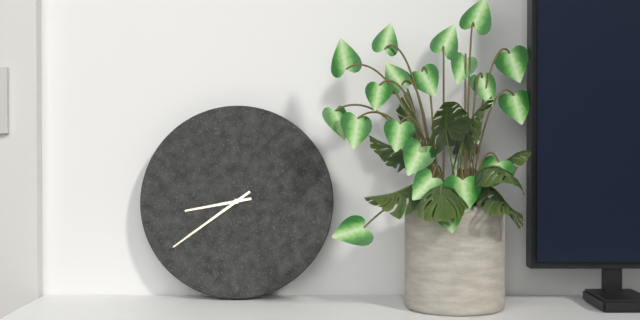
8:39
